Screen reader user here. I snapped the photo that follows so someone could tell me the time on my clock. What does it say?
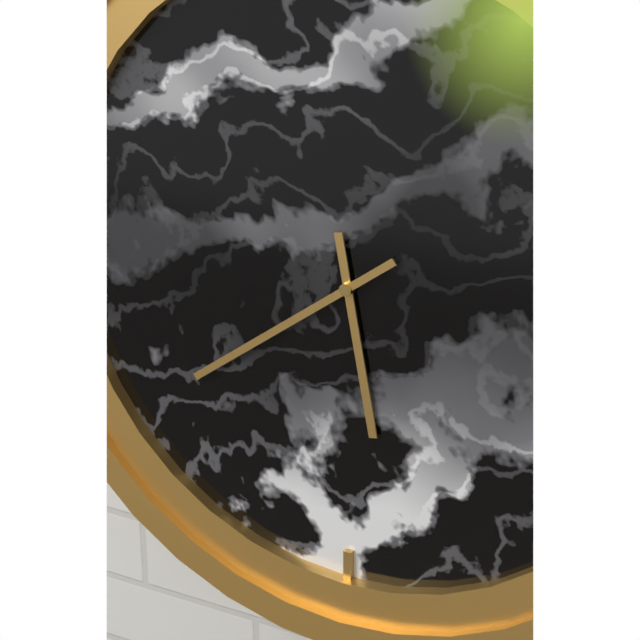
5:39
